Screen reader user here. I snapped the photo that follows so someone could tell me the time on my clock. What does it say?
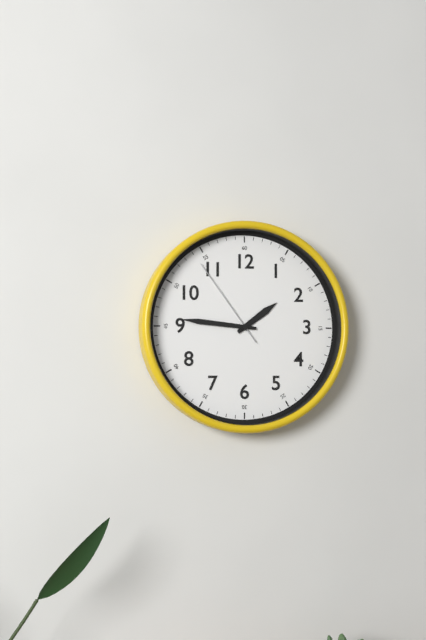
1:46:54
